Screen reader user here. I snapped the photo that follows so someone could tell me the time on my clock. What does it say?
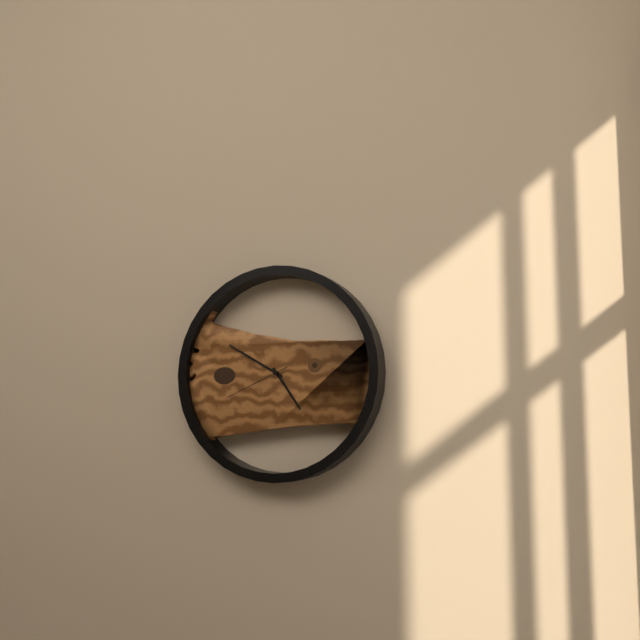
4:50:41
